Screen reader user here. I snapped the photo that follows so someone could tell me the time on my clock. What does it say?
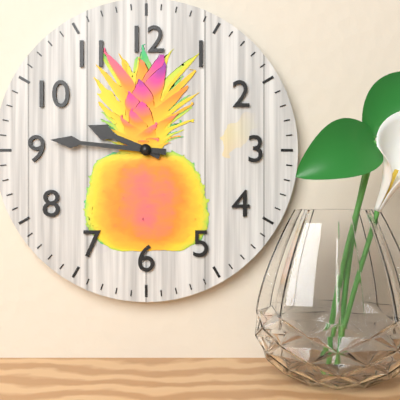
9:46
